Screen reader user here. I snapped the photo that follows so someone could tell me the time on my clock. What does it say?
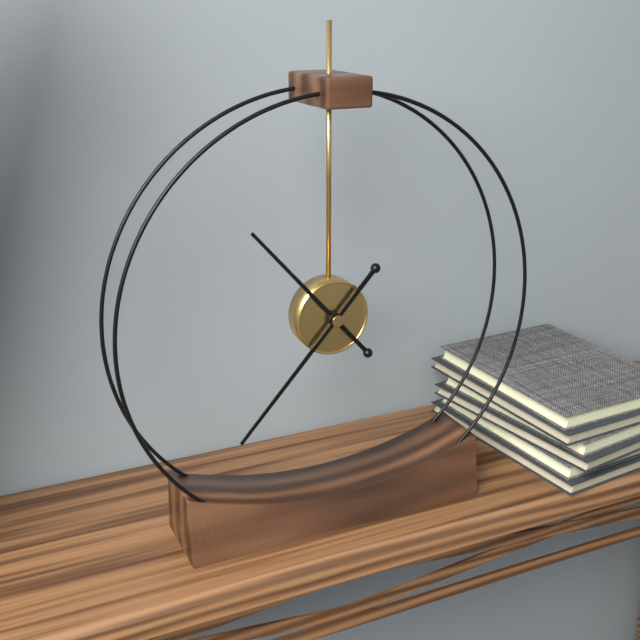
10:37
